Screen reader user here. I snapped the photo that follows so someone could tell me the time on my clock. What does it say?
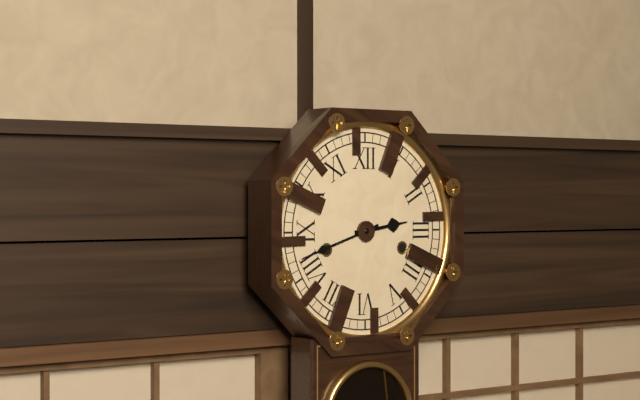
2:42
